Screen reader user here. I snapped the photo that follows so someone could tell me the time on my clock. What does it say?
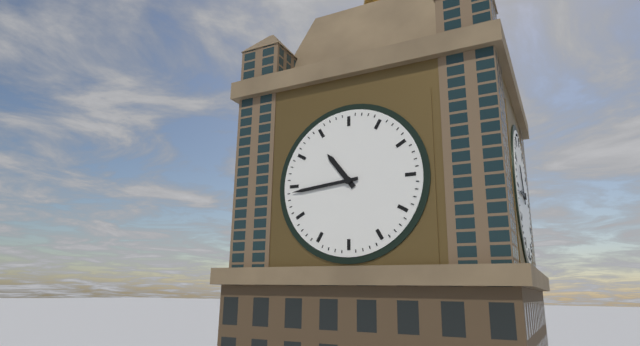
10:44
